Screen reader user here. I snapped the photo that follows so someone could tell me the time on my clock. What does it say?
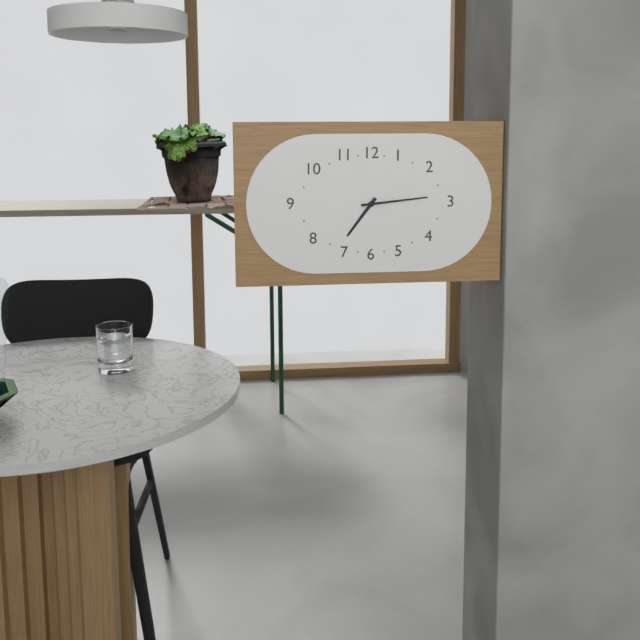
7:14
